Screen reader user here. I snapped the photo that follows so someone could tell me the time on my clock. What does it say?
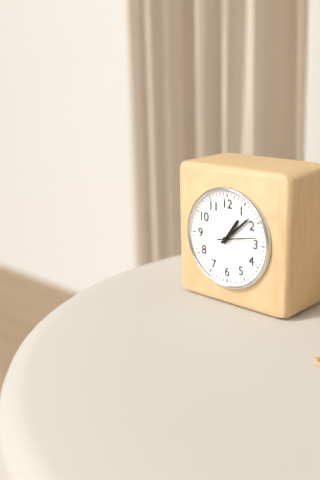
1:08
